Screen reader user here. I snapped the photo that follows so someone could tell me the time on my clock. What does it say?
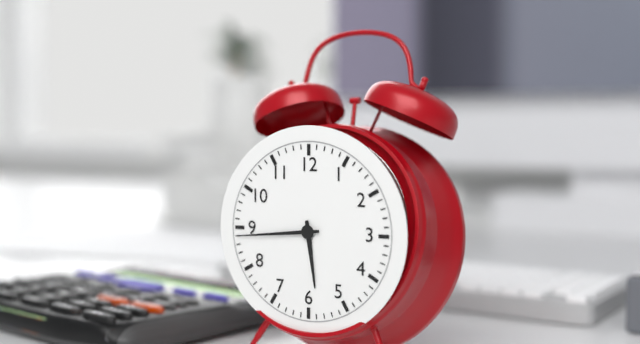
5:44
